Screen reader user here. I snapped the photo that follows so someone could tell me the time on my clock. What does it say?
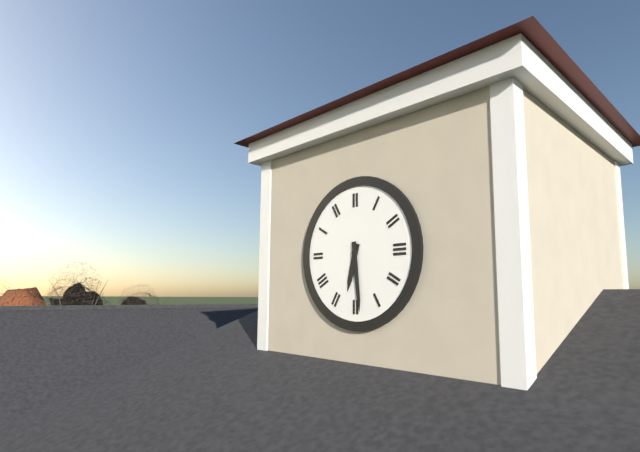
6:29
